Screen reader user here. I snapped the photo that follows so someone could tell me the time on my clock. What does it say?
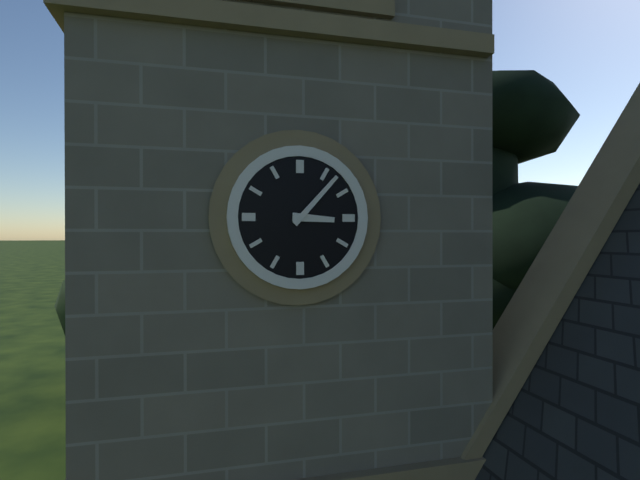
3:07
